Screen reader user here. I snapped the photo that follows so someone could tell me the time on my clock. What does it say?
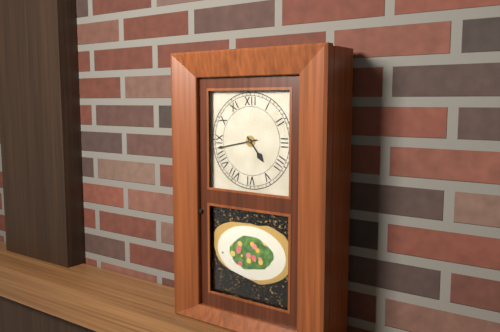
4:43
